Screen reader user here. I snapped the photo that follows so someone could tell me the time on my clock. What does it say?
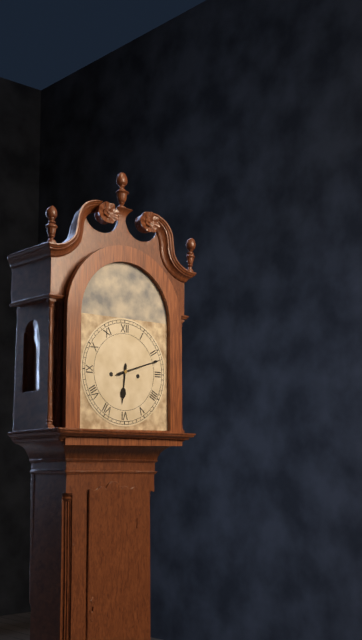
6:12
